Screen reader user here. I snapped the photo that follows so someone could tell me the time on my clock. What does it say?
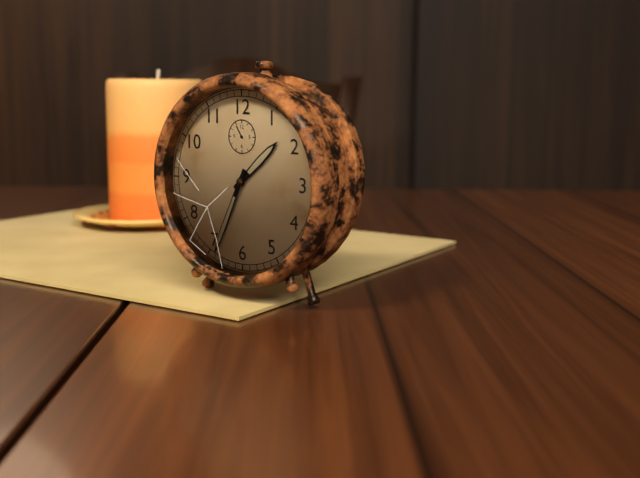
1:34
